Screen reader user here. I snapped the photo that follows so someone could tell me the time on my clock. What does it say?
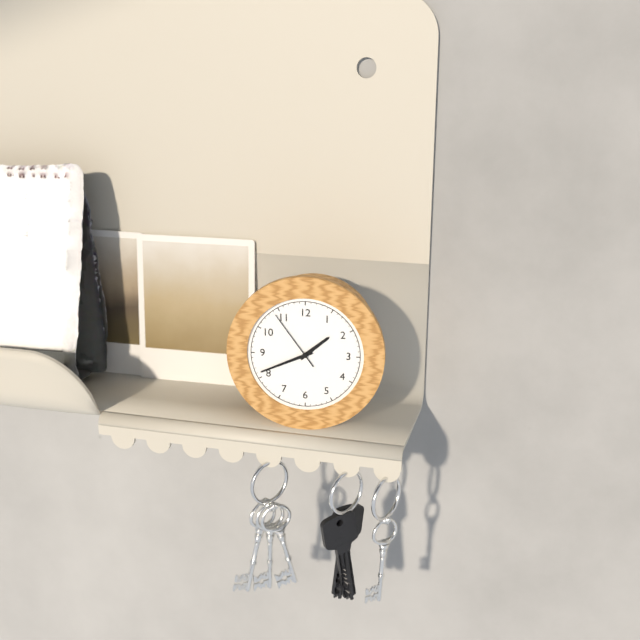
1:41:54
